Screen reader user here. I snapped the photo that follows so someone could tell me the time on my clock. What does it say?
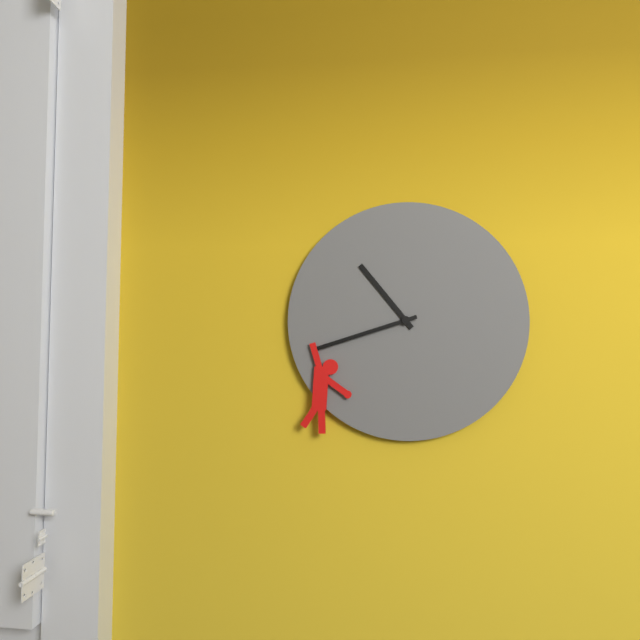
10:42
